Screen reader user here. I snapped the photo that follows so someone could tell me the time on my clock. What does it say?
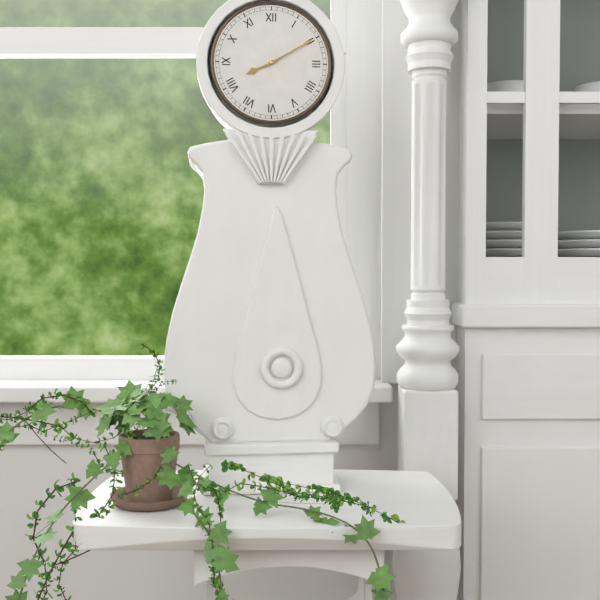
8:10
